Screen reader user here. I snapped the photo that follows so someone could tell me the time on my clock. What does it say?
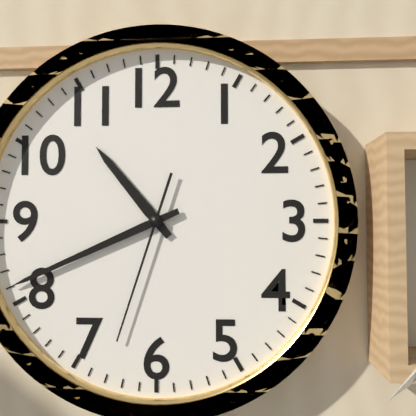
10:41:33
